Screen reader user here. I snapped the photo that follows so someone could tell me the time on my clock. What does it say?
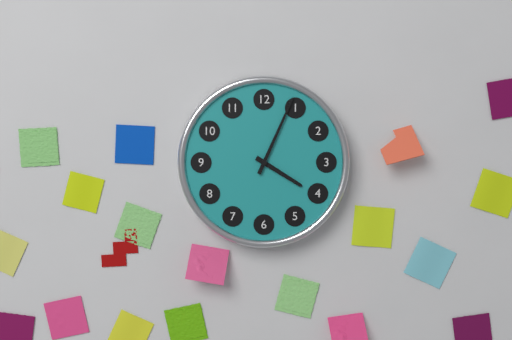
4:04
